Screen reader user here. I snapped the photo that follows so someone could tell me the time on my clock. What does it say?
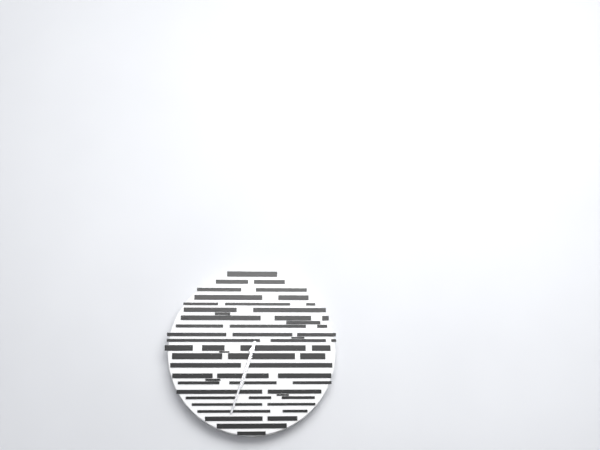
6:33
